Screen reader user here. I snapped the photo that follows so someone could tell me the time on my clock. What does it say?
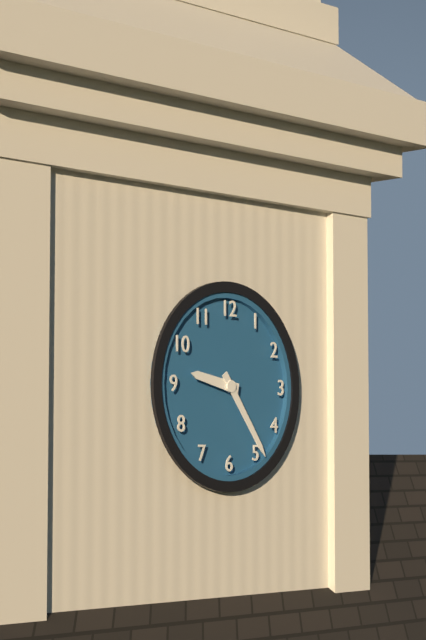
9:24
